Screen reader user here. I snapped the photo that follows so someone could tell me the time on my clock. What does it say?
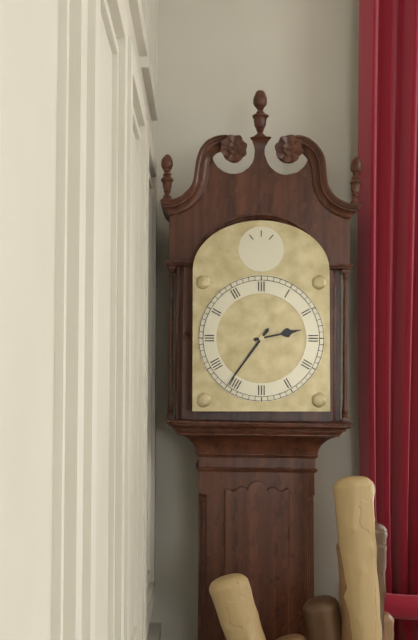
2:36
